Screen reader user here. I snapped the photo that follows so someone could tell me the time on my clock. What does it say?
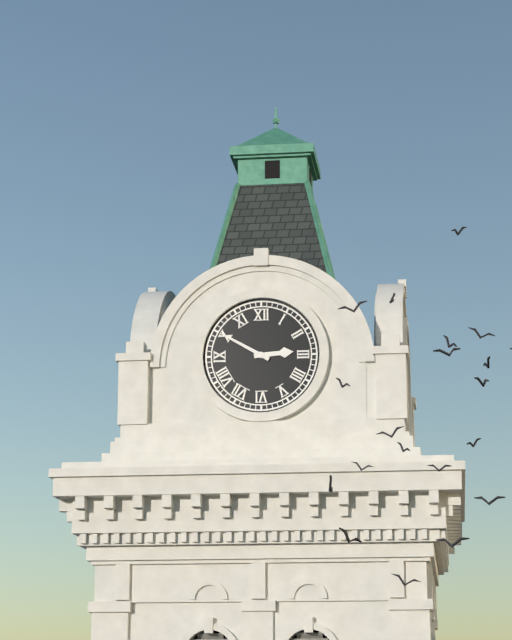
2:50
